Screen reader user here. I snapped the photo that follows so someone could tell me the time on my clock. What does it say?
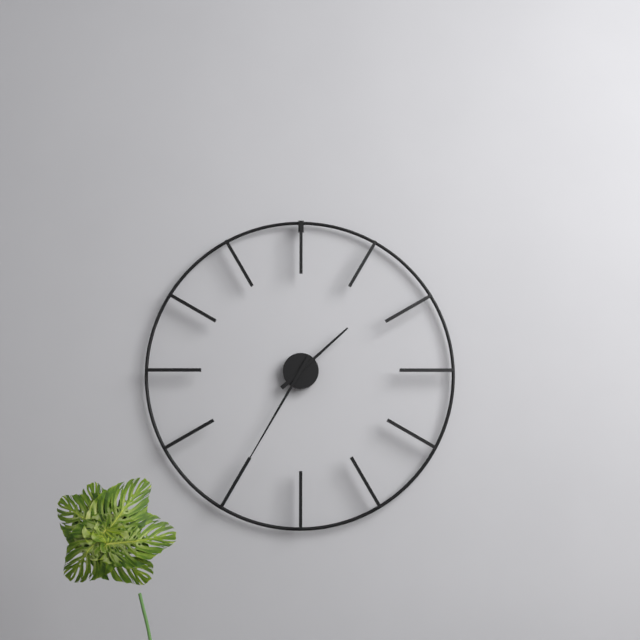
1:35
